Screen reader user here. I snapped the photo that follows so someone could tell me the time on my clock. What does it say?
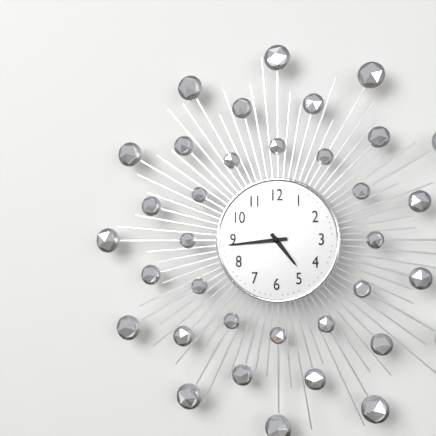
4:44
